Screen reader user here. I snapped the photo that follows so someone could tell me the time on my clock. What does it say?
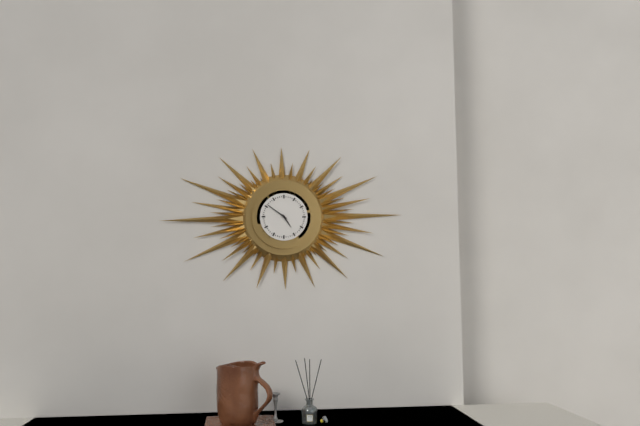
4:51
